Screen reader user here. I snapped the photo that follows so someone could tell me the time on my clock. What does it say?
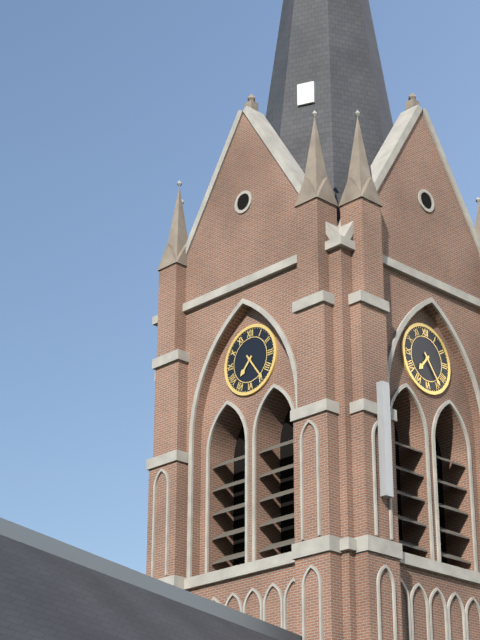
7:24
